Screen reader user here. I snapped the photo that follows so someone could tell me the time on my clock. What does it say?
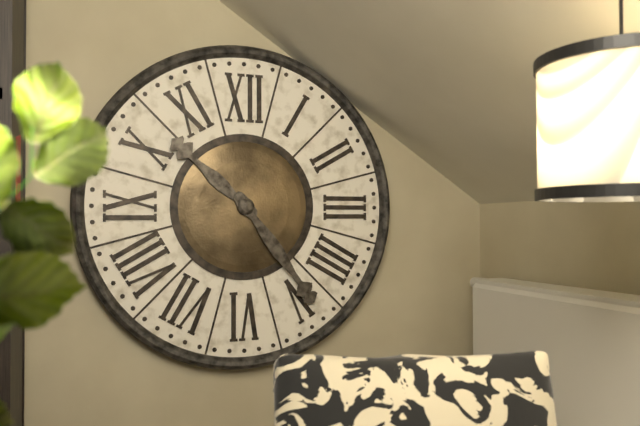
10:24
